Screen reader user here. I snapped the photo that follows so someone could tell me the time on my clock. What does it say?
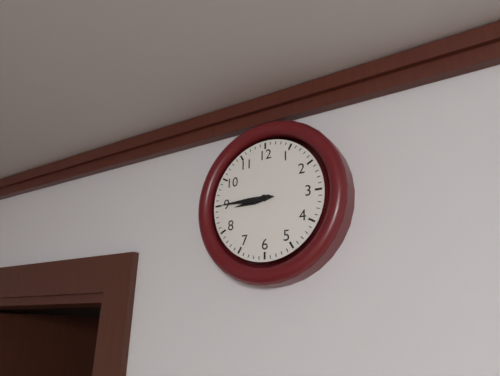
8:45
